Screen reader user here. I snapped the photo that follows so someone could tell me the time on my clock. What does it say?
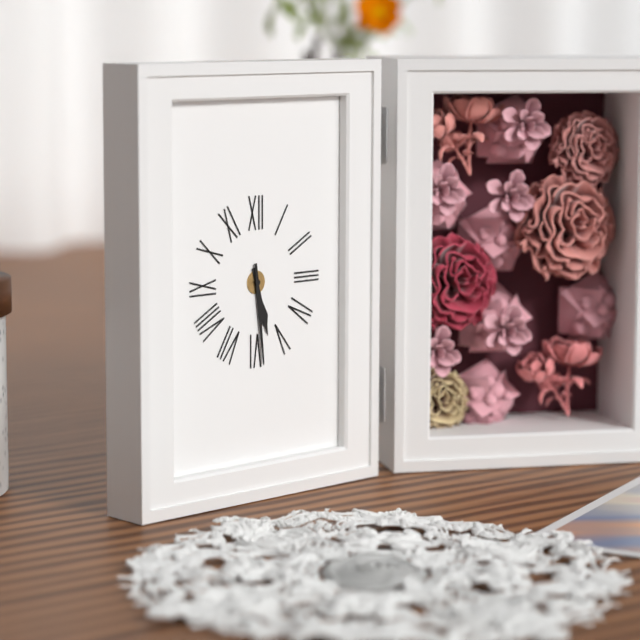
5:29
